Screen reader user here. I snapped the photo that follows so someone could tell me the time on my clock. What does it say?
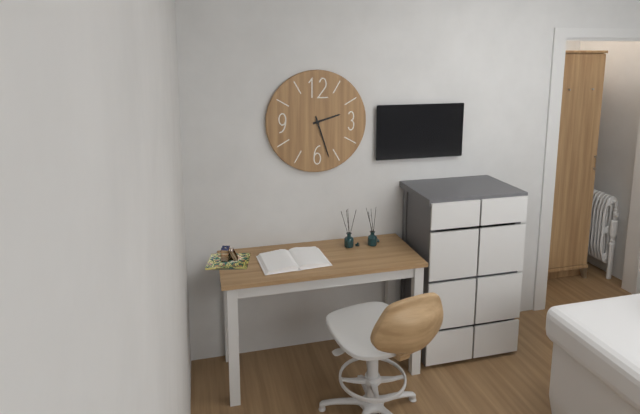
2:27
